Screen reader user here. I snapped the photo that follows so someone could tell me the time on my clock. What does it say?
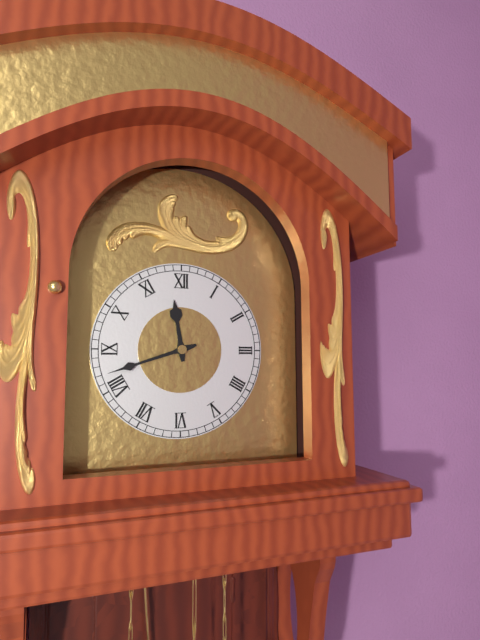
11:42
